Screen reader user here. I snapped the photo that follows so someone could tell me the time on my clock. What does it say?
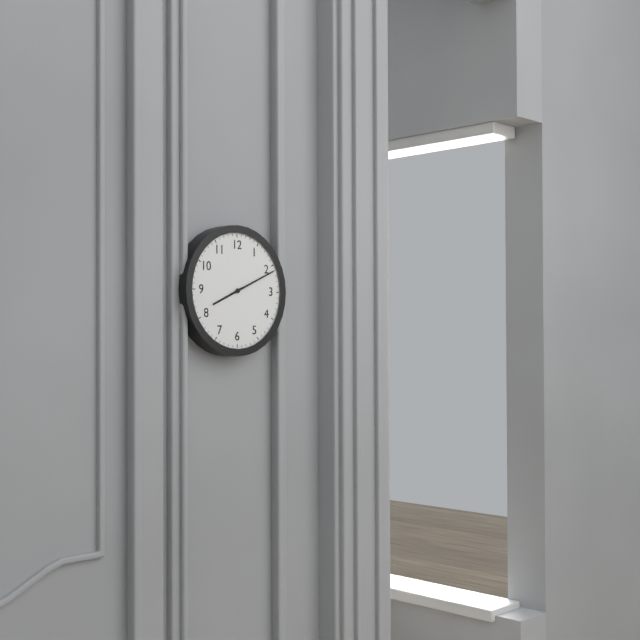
8:11
